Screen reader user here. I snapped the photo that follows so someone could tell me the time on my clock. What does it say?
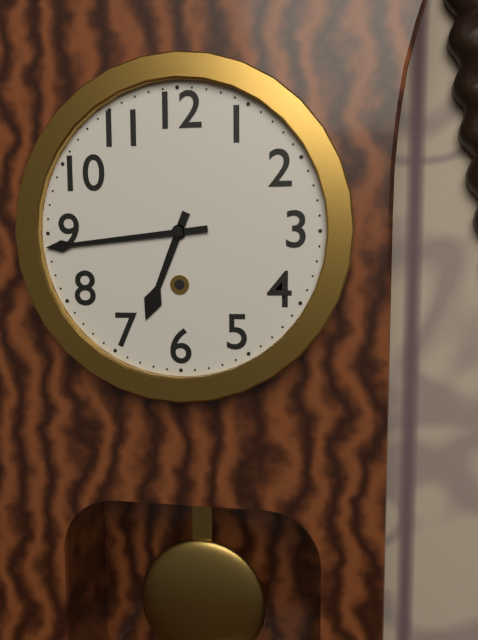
6:44
